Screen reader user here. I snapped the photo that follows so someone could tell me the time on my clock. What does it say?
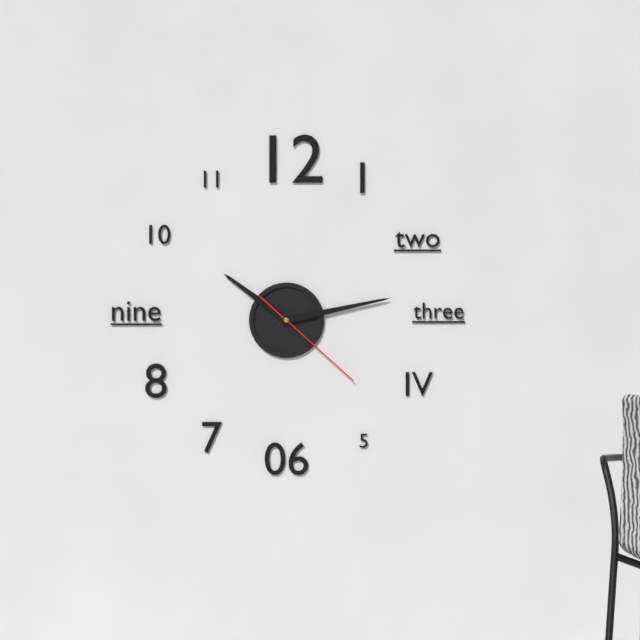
10:13:22
